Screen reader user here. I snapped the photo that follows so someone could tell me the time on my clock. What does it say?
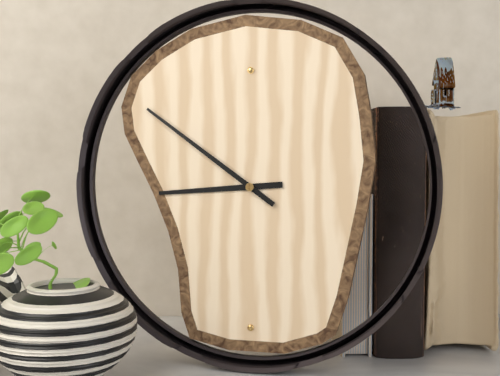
8:51
